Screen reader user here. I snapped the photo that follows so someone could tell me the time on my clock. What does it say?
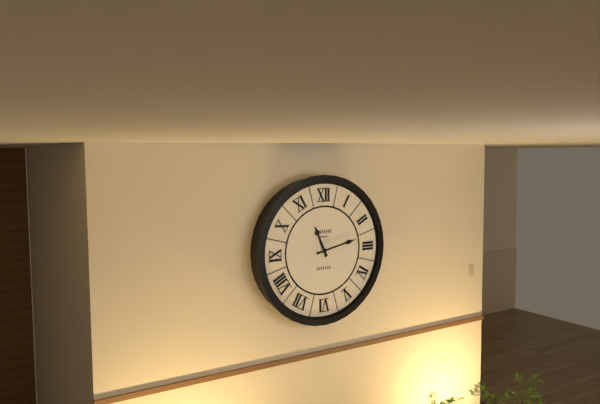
11:13
